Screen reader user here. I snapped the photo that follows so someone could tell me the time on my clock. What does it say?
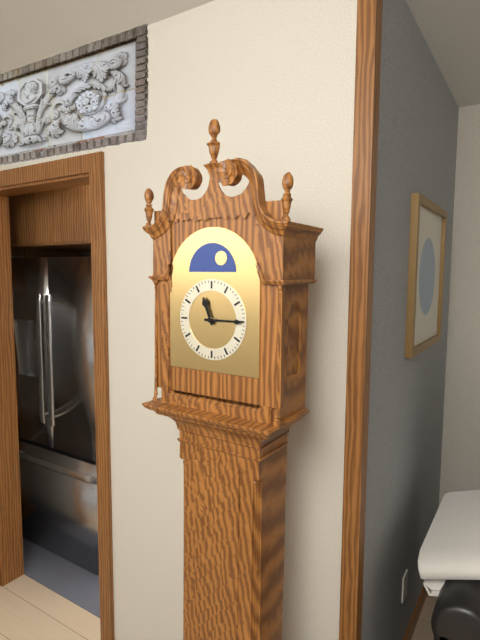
11:15
